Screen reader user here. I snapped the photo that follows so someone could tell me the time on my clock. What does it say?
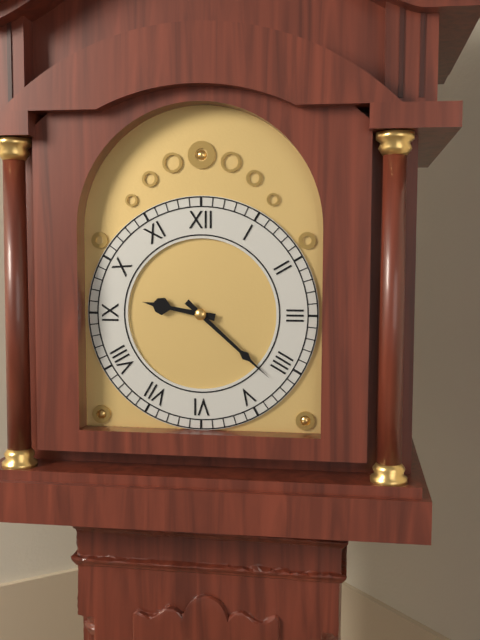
9:22
